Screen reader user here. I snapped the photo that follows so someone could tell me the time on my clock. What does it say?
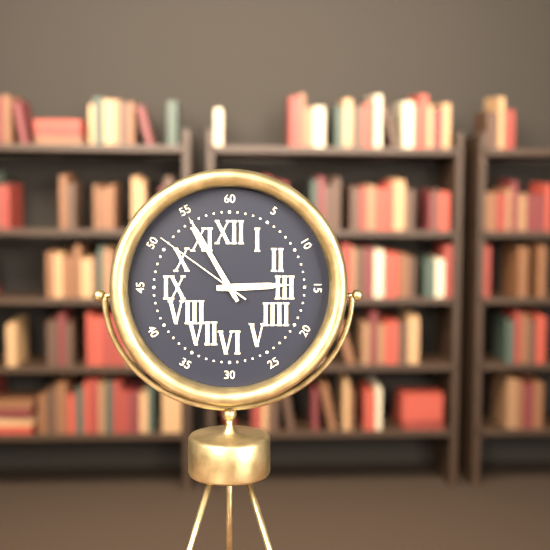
2:55:51
